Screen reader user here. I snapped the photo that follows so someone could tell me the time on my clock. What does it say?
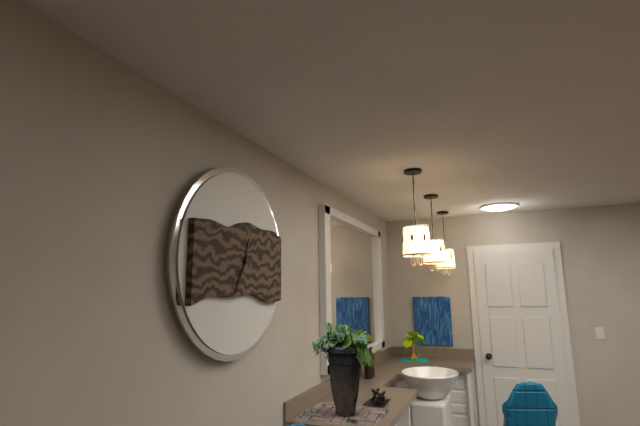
12:35
